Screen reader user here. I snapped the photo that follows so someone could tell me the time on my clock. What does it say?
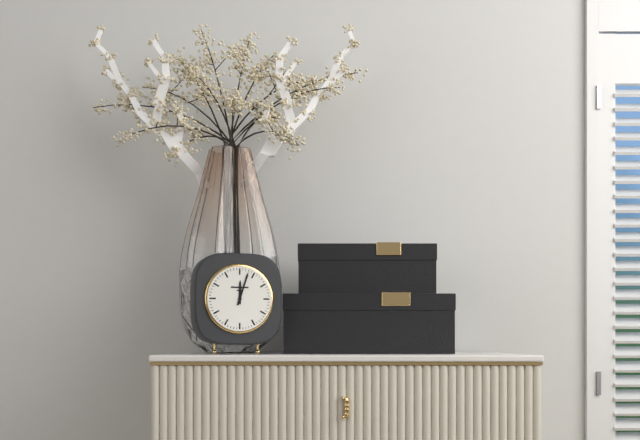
12:03
